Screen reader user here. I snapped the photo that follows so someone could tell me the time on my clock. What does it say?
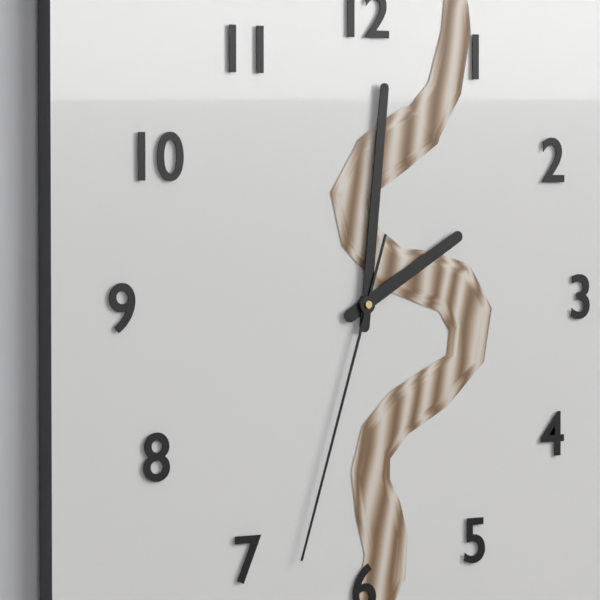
2:01:33
